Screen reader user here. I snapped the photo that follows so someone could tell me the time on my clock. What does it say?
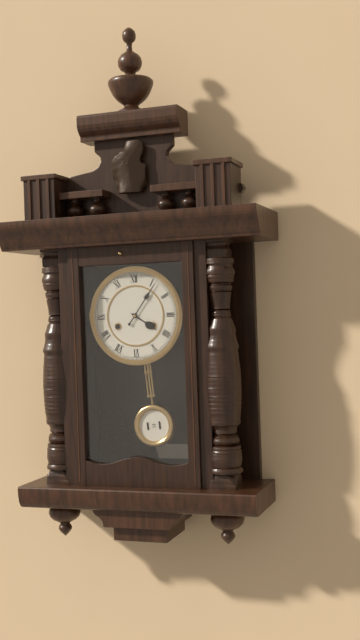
4:06
